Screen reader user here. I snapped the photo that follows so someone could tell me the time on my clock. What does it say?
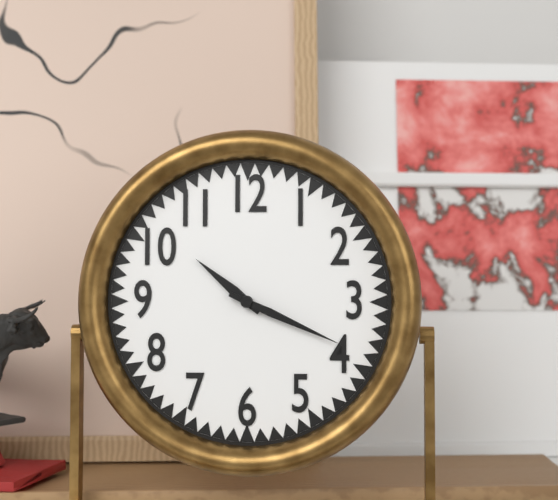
10:19
